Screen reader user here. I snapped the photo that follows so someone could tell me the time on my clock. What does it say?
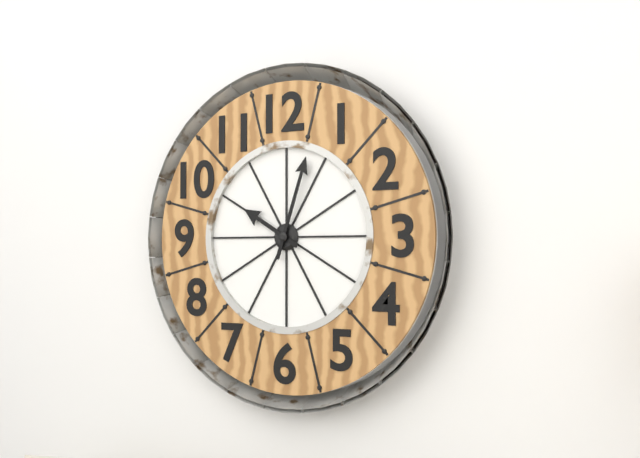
10:03
